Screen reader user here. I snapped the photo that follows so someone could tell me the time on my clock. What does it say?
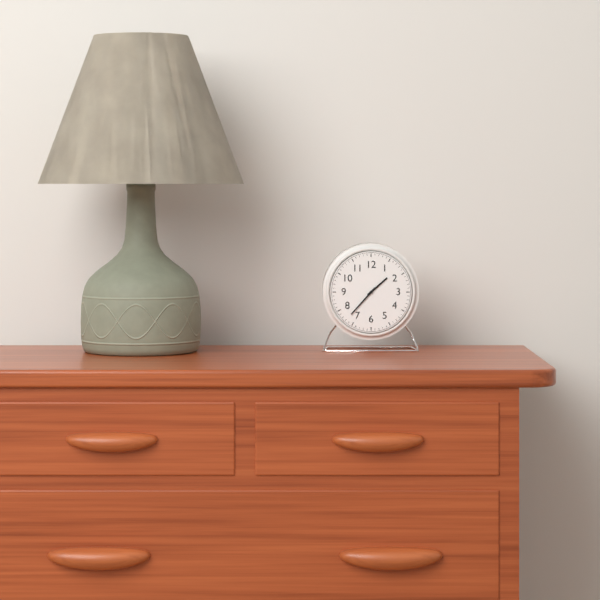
1:37
